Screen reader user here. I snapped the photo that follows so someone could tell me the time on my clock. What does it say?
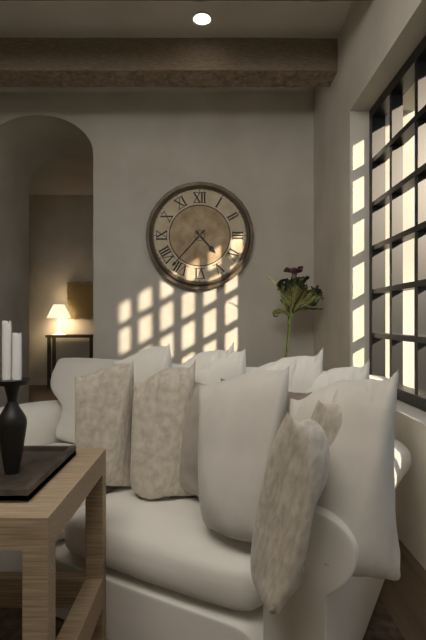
4:37
